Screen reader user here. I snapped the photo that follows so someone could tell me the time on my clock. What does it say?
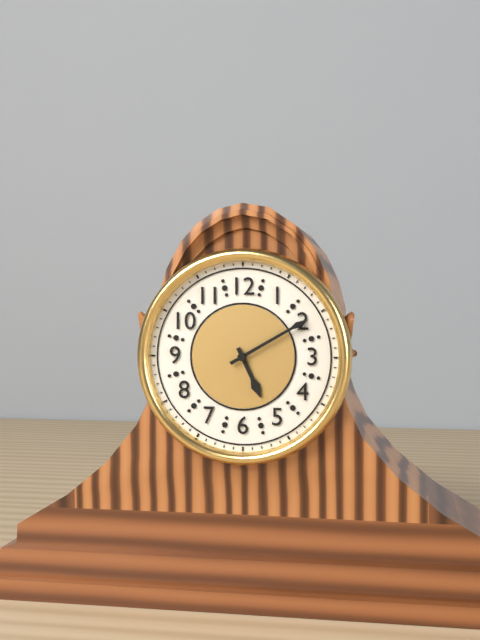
5:10
